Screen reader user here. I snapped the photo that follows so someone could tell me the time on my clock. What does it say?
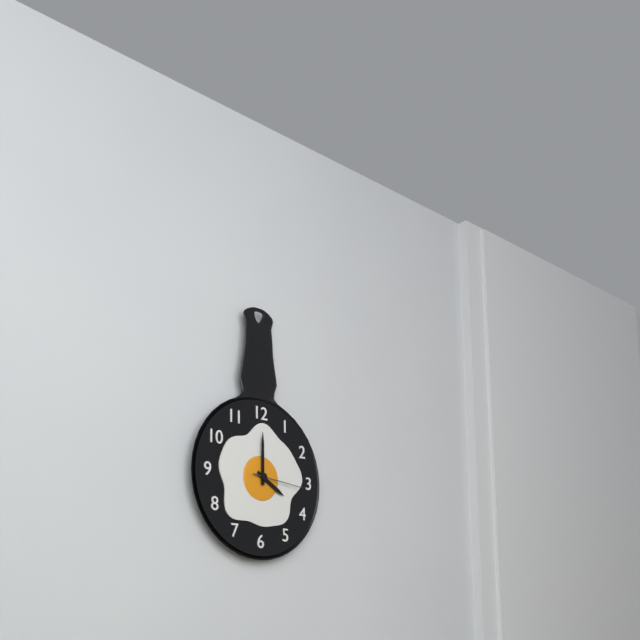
4:00:16
